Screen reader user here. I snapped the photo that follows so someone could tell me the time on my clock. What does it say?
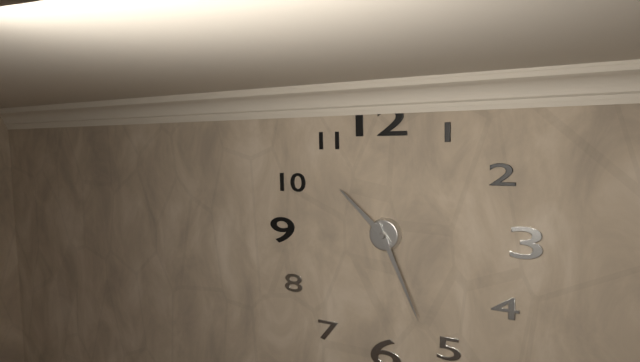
10:26
